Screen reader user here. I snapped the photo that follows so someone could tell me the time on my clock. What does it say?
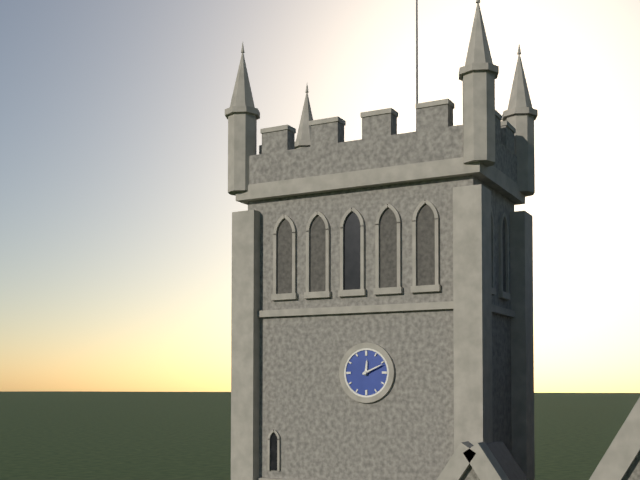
12:11
